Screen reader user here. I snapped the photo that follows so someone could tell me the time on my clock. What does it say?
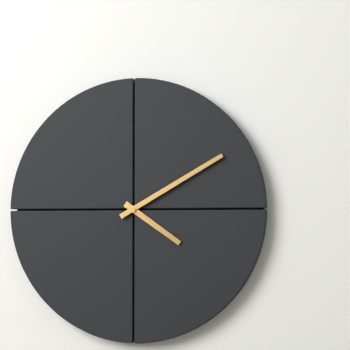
4:10
